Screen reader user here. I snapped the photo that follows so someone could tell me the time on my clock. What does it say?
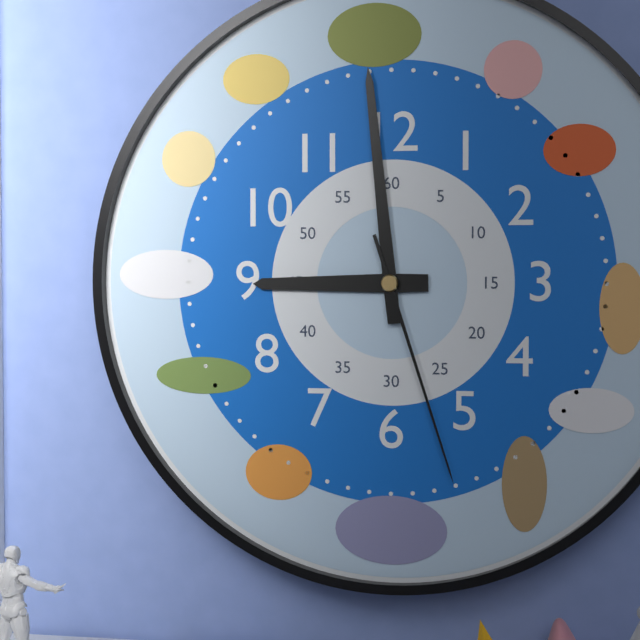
8:59:27
